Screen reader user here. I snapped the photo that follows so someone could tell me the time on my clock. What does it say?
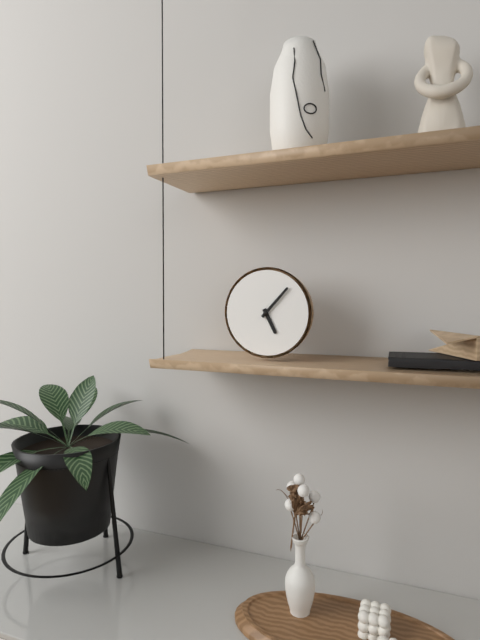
5:07
